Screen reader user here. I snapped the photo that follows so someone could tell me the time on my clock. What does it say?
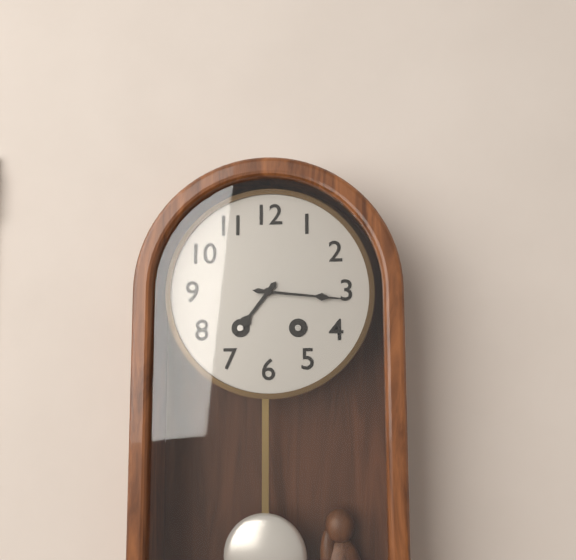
7:16
